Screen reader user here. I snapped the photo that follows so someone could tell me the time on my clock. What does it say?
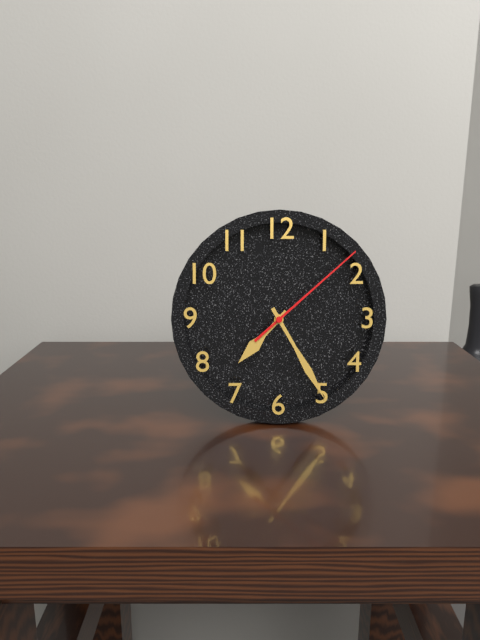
7:25:08
